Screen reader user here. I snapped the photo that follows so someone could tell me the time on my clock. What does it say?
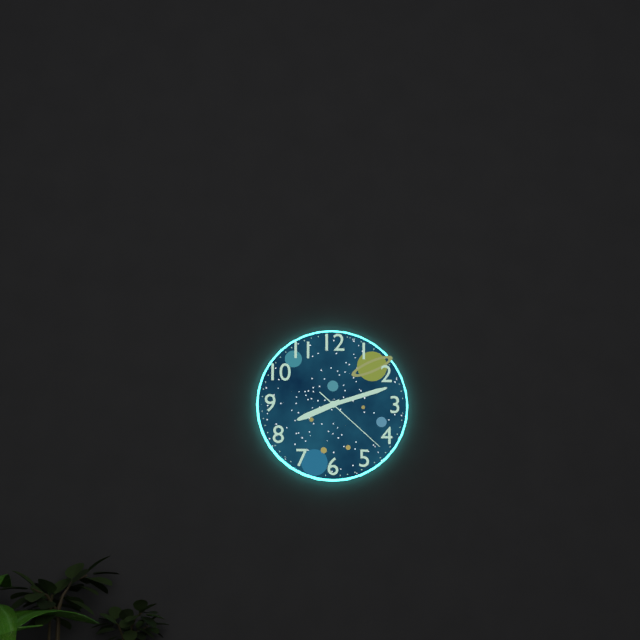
8:12:22
